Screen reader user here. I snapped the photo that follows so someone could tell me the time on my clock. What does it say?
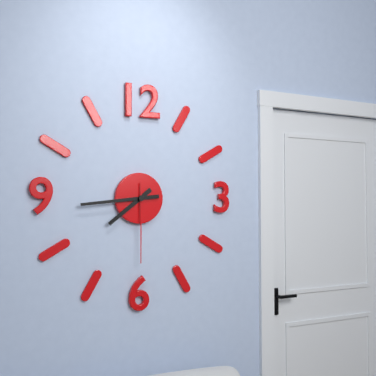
7:44:30
